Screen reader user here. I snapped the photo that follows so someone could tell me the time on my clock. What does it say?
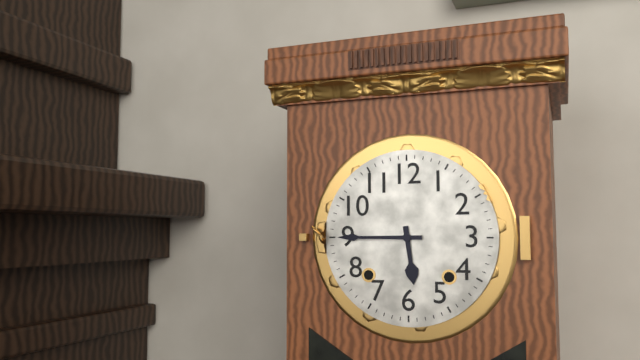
5:45
